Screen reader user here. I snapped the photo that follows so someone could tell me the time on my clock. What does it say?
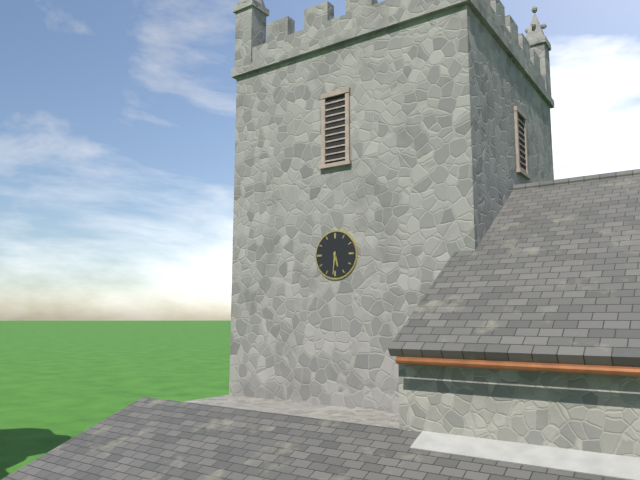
5:31
